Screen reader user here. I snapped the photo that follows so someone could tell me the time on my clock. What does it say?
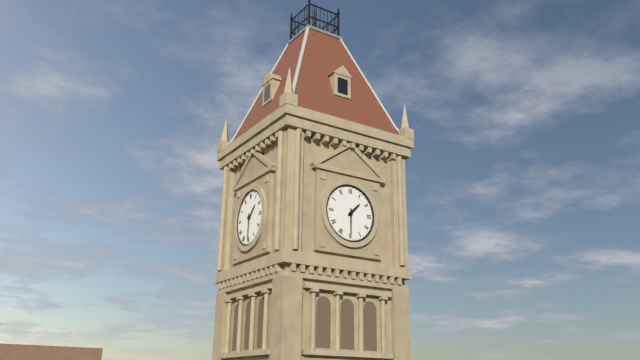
1:30
